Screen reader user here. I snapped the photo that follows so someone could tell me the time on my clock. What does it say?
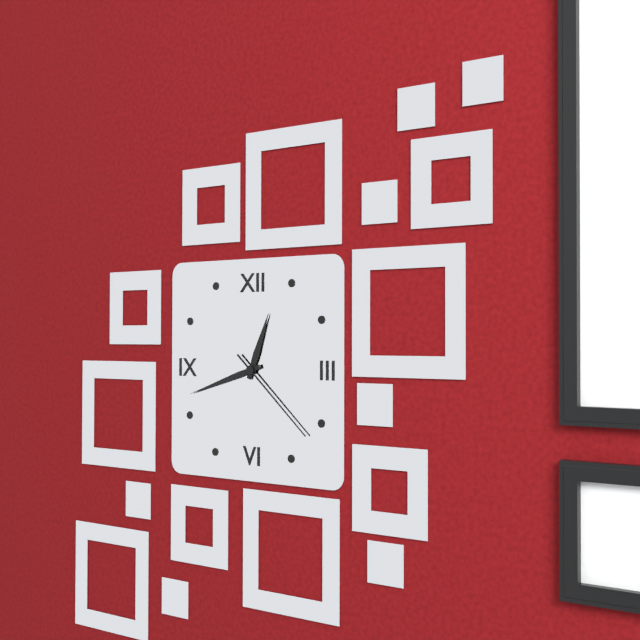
12:42:22
